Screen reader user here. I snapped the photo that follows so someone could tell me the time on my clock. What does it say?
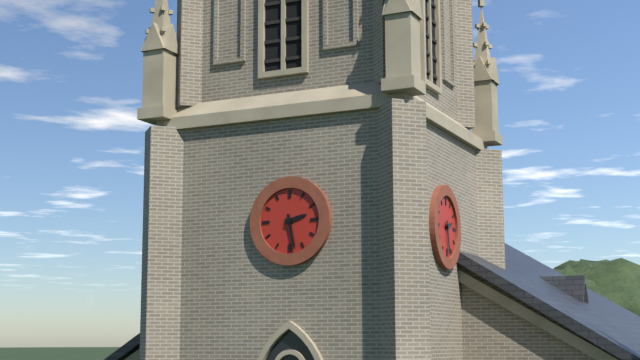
2:28
